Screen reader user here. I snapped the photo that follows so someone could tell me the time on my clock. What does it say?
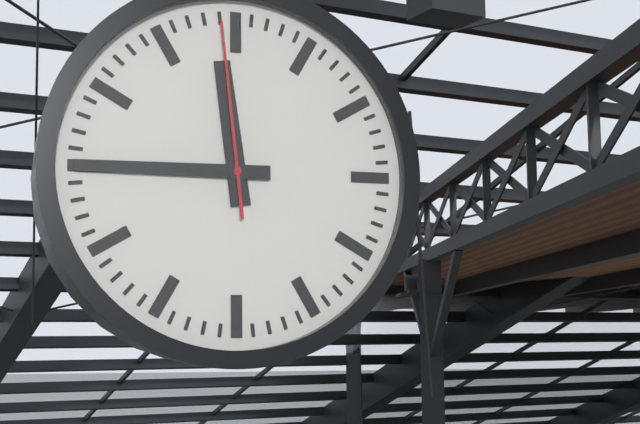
11:45:59
